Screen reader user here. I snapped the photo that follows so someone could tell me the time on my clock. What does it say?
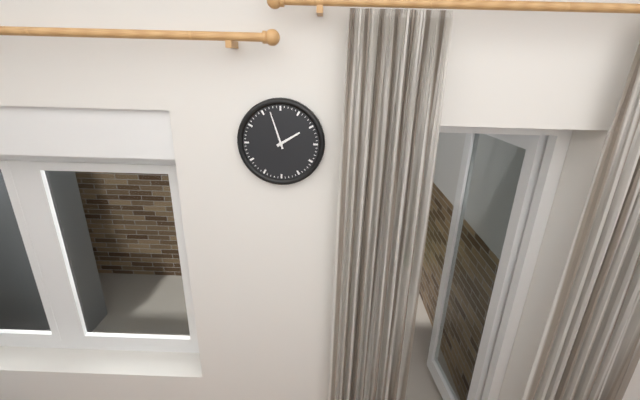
1:57
